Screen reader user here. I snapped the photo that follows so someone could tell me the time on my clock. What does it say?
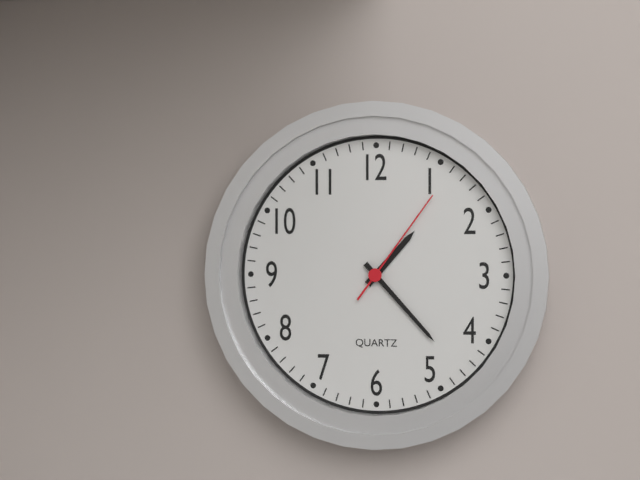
1:23:06
